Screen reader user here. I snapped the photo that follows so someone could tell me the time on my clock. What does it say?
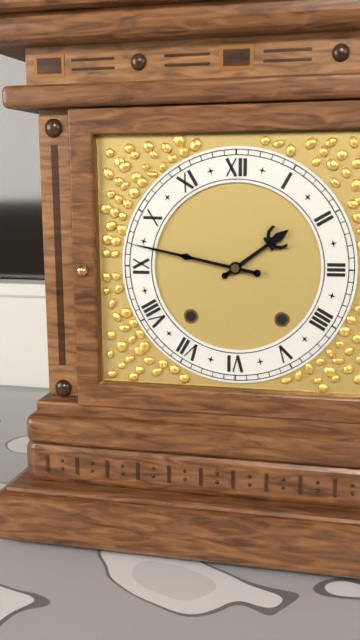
1:47
